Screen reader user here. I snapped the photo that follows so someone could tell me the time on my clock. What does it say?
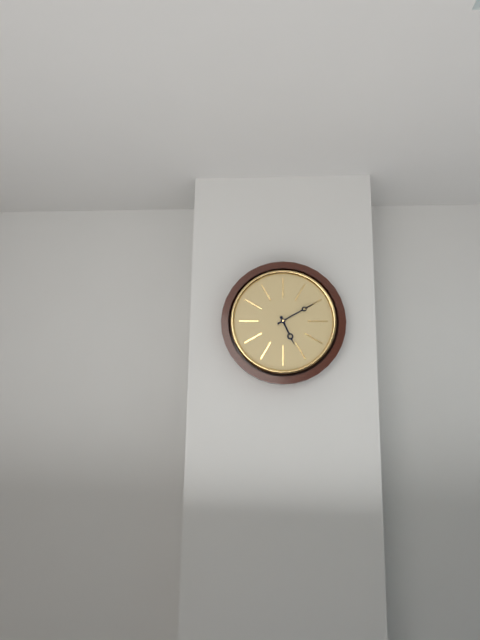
5:10
